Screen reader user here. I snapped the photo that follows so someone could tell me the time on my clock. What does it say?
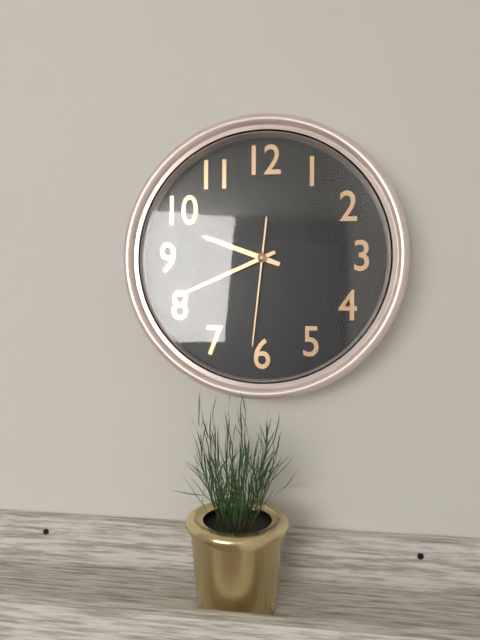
9:41:31
